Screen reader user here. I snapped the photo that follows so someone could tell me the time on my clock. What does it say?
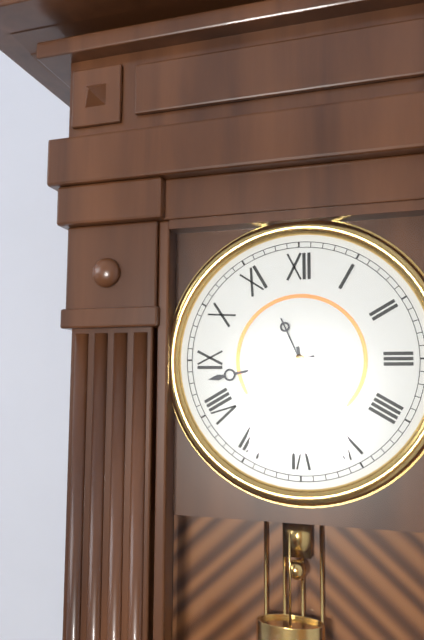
5:43:26
